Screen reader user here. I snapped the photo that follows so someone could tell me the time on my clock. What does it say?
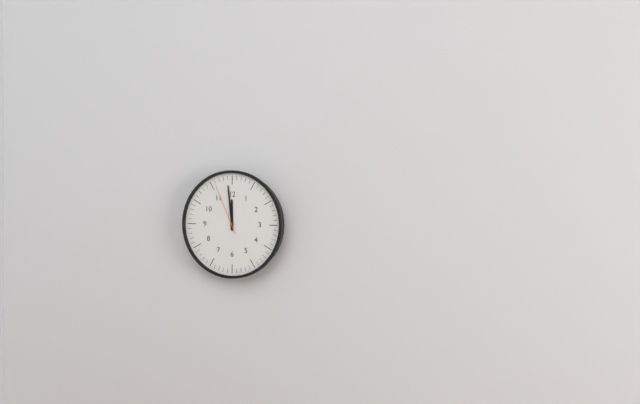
11:59:56
